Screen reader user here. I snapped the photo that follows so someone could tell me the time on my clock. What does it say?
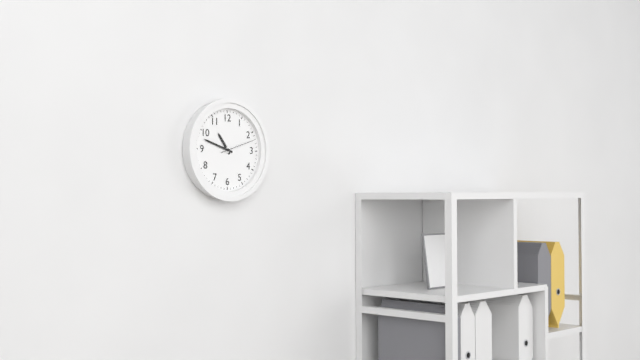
10:48
